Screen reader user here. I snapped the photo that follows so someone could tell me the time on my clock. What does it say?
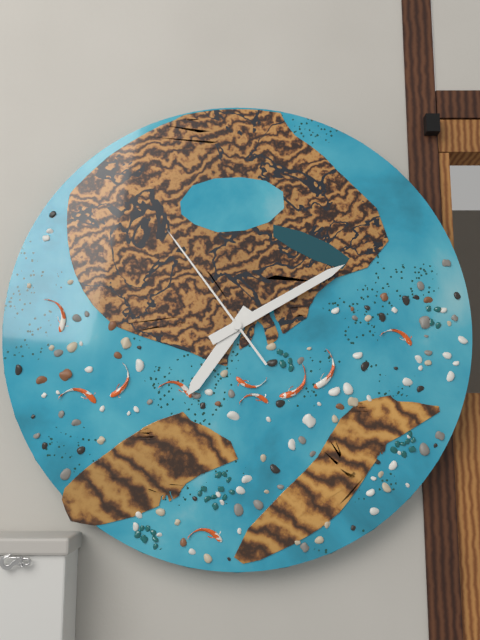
7:10:54
